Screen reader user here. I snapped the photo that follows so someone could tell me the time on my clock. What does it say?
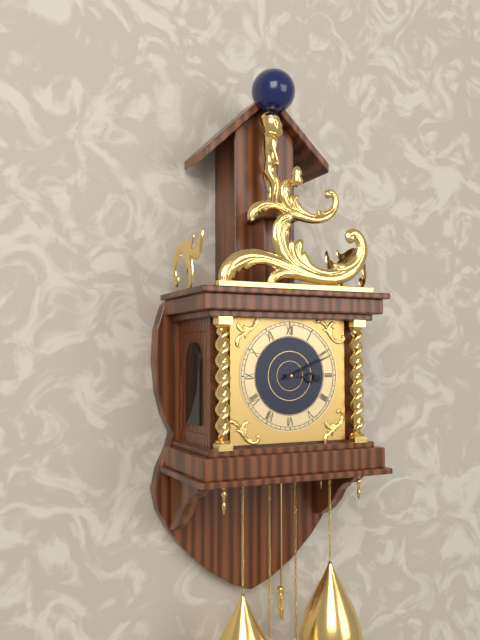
3:11
